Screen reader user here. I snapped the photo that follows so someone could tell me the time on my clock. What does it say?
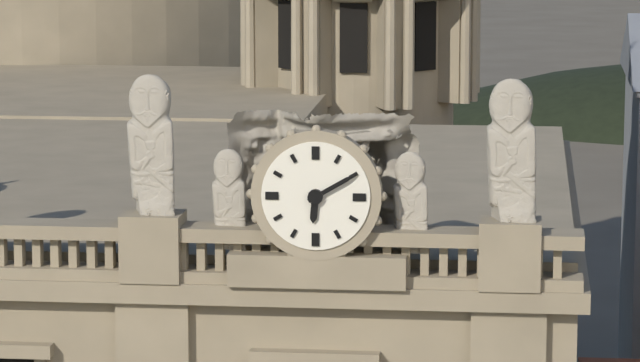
6:10
